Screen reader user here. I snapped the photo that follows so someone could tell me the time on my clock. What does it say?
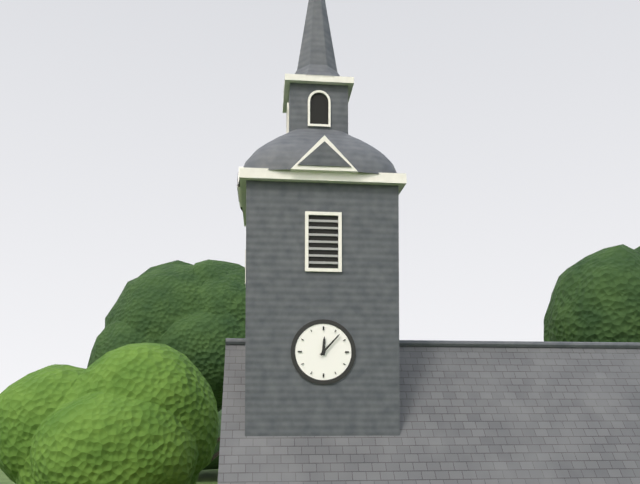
12:07
